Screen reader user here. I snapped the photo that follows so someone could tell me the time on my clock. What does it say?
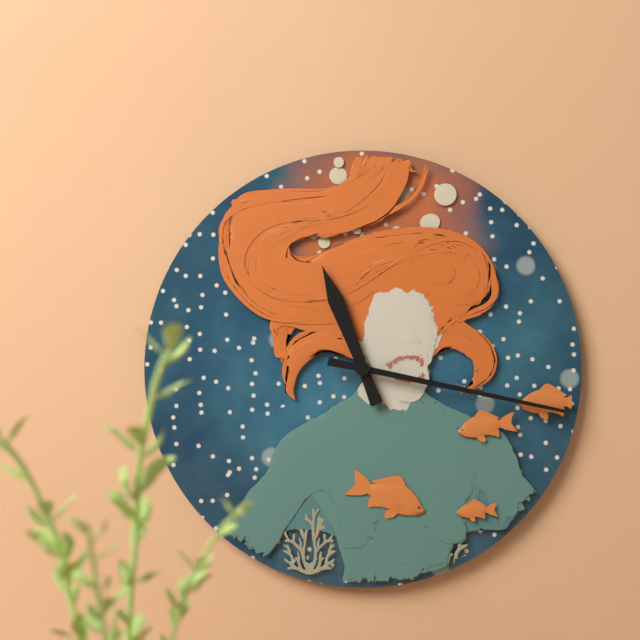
11:17
